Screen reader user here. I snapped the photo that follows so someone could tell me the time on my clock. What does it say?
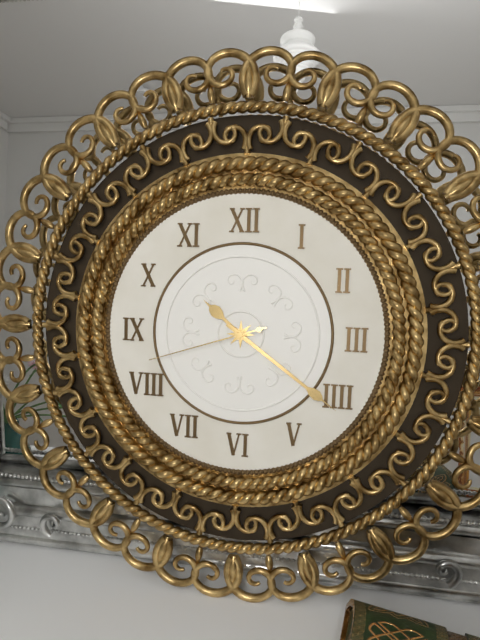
10:21:42
